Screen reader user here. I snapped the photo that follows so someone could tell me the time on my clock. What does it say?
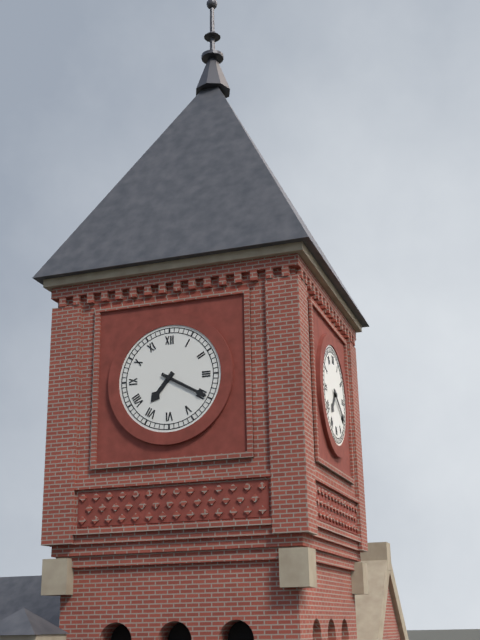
7:20
